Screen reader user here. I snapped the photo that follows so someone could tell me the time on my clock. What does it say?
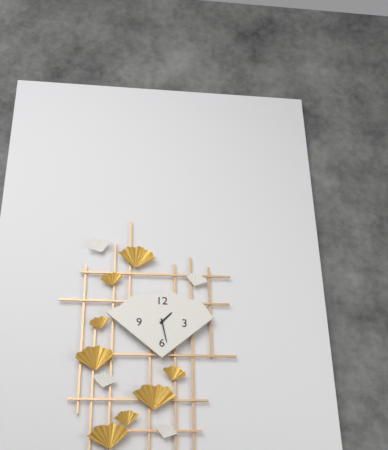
1:28
